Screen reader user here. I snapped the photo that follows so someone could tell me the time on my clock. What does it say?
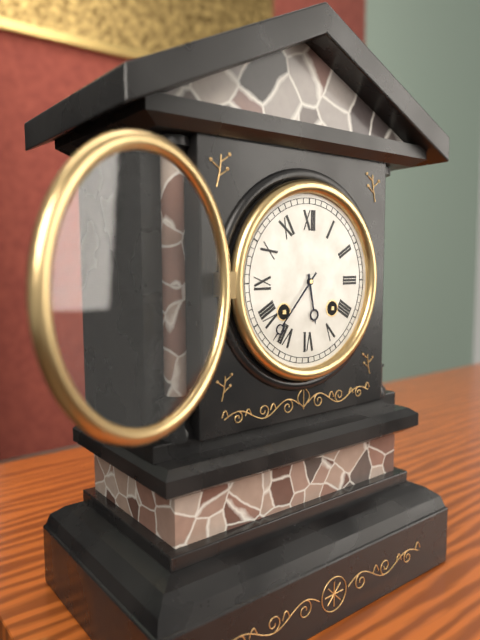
5:37
